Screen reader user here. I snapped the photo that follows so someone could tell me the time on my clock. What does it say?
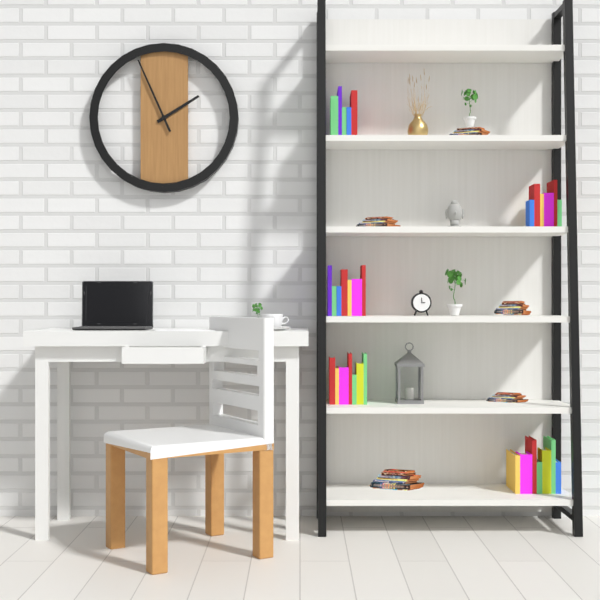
1:56
